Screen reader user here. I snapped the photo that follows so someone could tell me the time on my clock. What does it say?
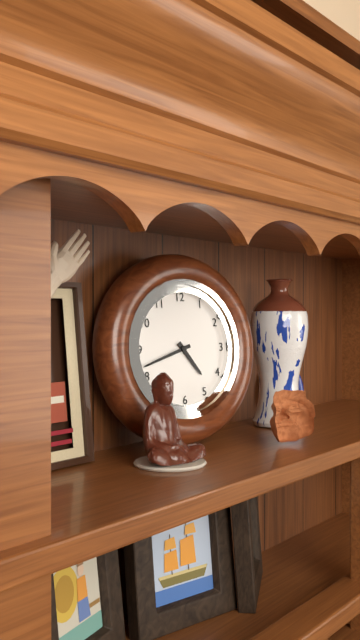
4:42
